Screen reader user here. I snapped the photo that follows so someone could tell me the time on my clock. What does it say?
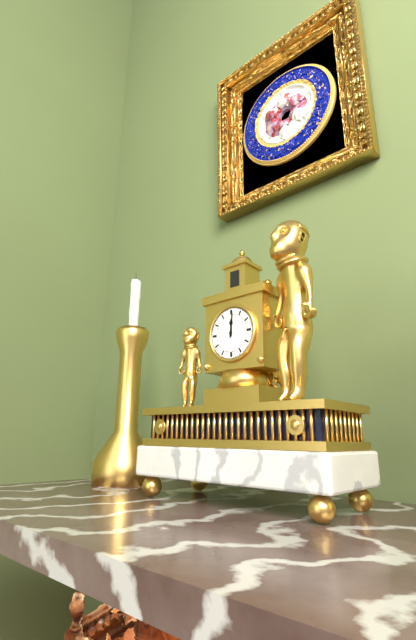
12:01
